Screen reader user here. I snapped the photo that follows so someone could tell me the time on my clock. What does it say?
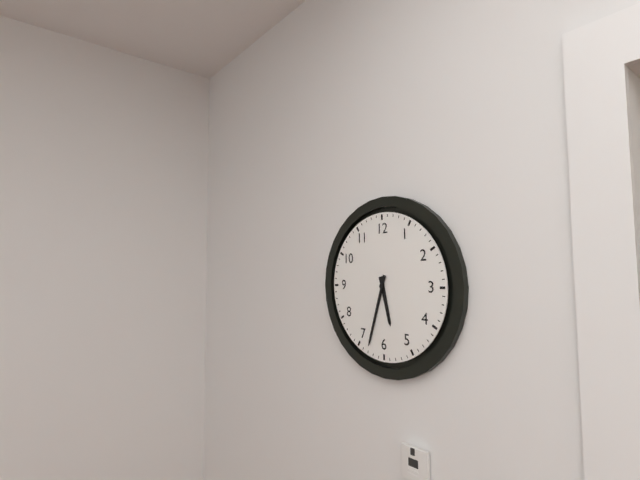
5:33
